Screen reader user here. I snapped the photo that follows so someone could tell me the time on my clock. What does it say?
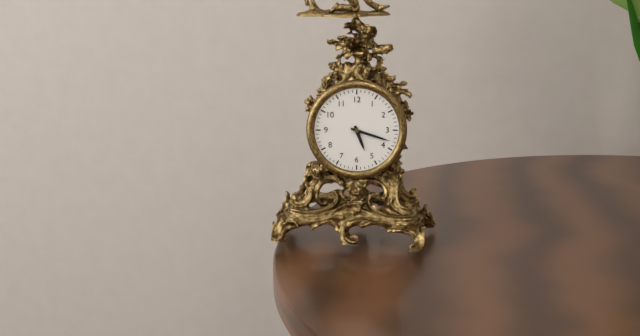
5:18
